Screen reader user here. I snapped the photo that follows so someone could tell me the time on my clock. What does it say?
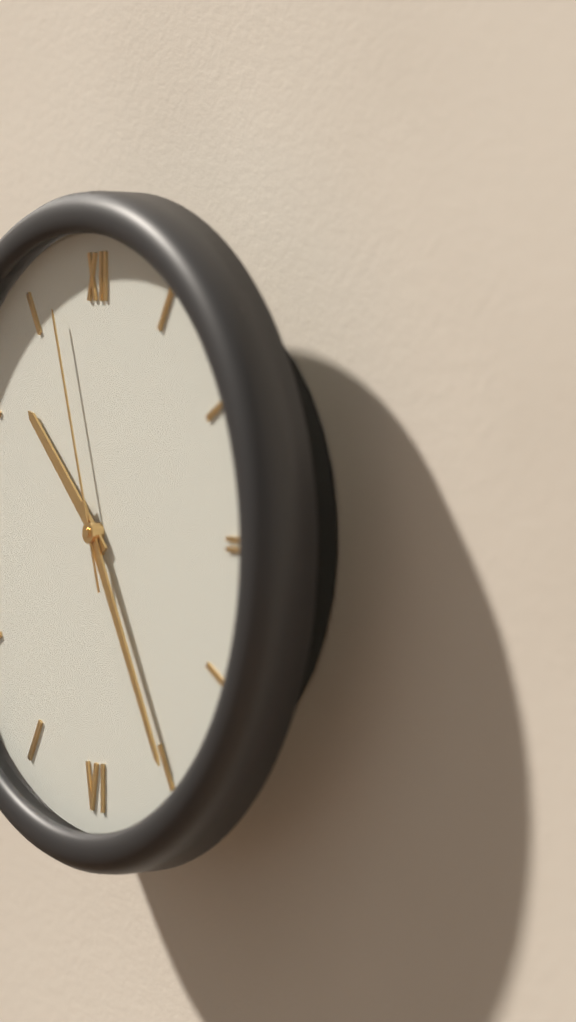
10:25:57
